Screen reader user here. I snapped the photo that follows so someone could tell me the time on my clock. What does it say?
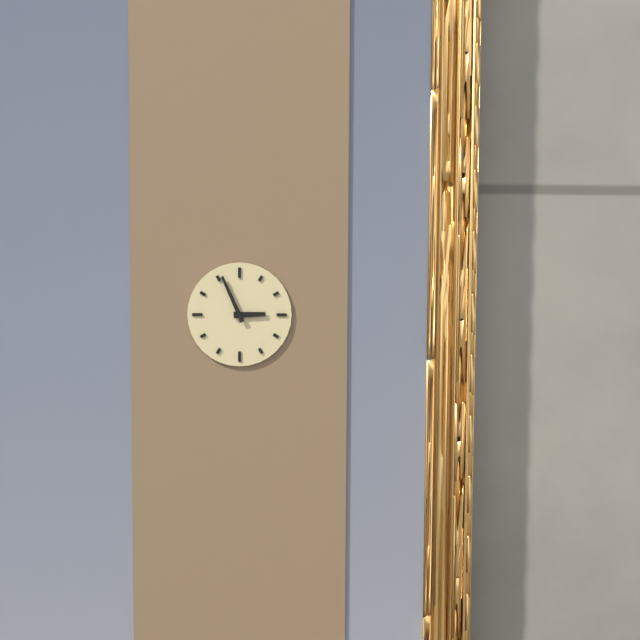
2:56
